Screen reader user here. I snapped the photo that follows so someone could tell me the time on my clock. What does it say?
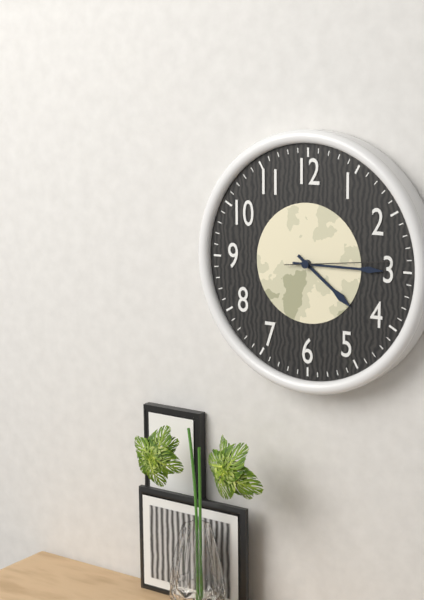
4:15:14
